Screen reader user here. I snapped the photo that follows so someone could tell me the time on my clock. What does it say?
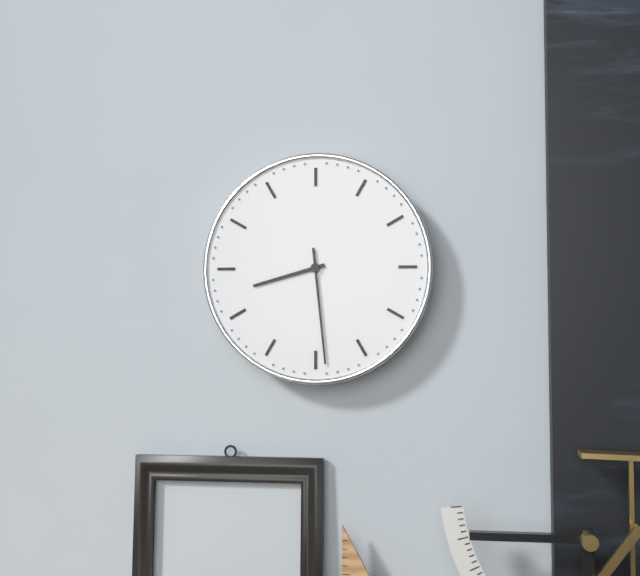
8:29
